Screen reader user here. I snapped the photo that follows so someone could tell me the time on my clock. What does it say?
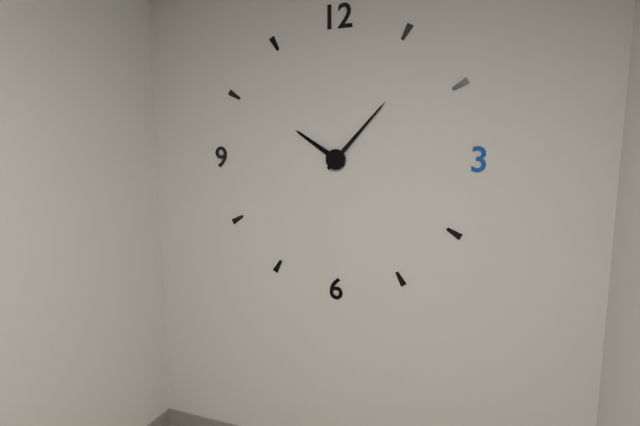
10:07
